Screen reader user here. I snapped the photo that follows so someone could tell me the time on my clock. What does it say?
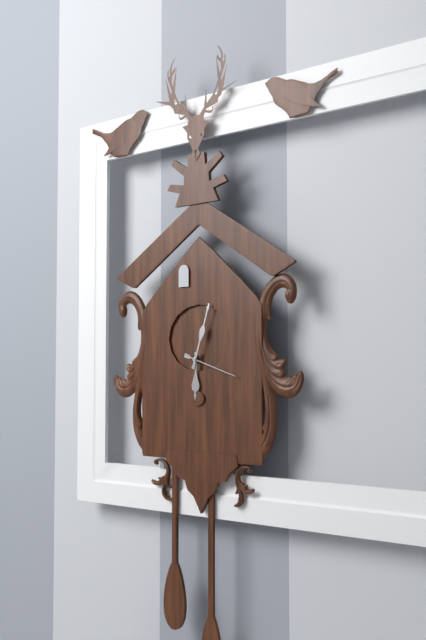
6:03:18
